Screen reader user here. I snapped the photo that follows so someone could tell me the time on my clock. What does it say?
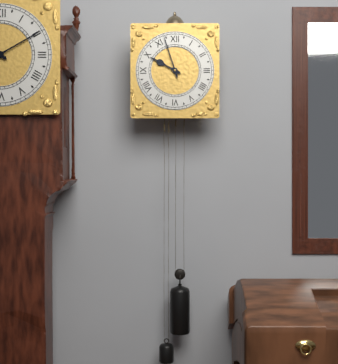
9:57
